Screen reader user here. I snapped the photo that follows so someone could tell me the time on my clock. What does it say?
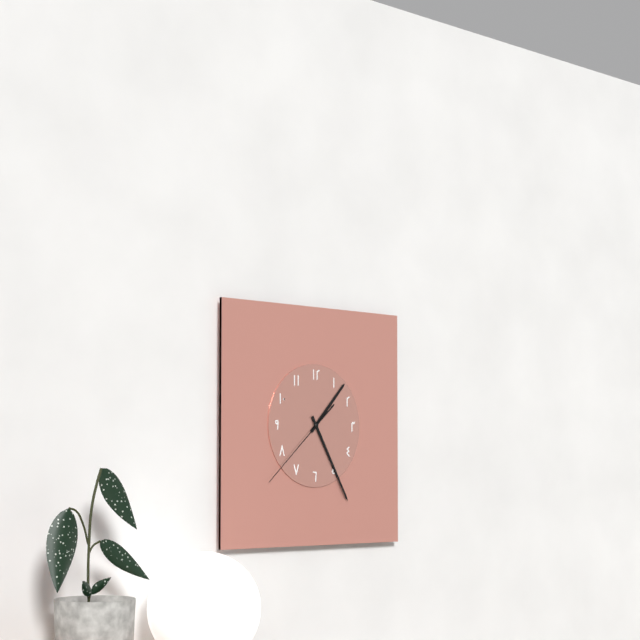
1:25:38
